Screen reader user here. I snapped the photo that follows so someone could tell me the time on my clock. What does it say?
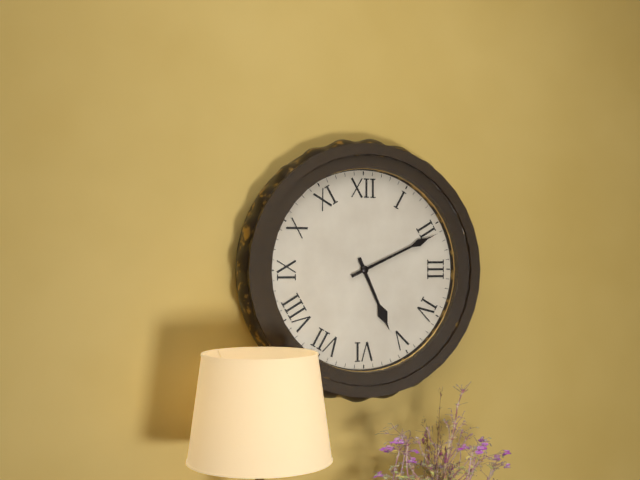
5:11
